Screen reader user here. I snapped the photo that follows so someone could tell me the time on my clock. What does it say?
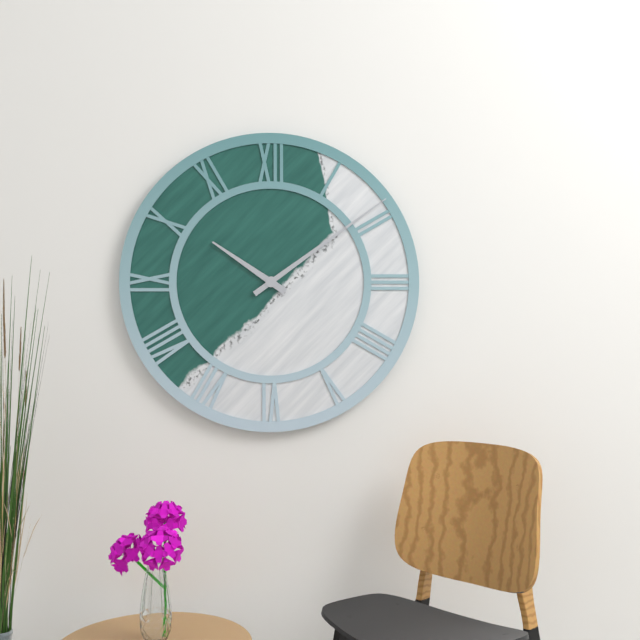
10:09
